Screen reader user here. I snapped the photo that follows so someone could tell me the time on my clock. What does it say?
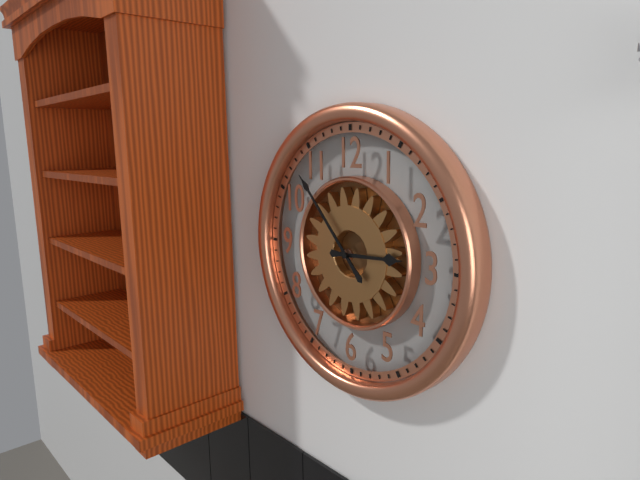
2:53
